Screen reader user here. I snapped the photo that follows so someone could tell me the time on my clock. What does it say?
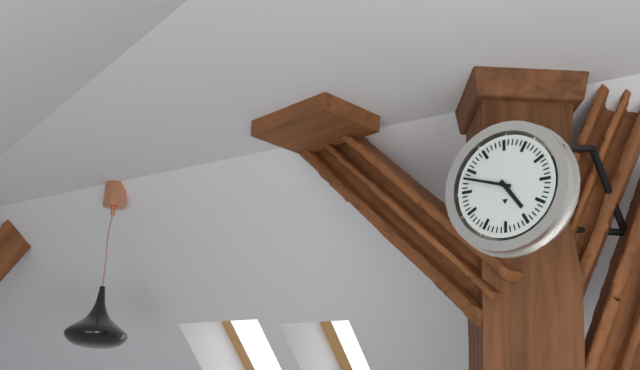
4:48
